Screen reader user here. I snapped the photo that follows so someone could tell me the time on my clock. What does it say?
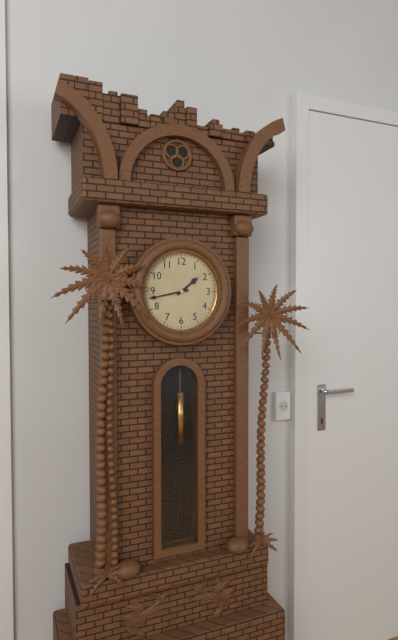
1:43
